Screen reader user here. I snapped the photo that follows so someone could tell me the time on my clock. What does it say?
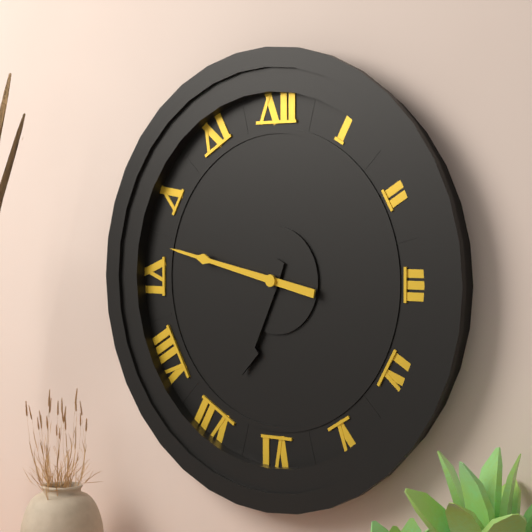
6:47
